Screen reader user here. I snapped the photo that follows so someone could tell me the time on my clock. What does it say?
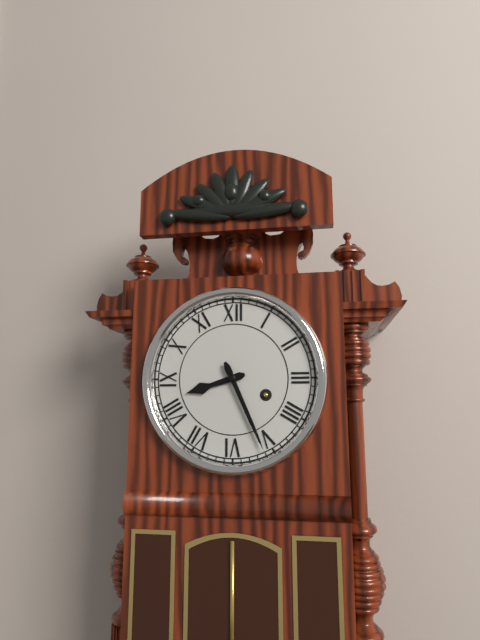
8:26
